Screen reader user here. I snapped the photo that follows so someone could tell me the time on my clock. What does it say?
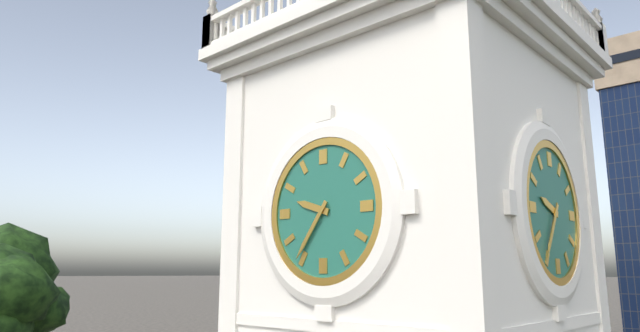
9:36
